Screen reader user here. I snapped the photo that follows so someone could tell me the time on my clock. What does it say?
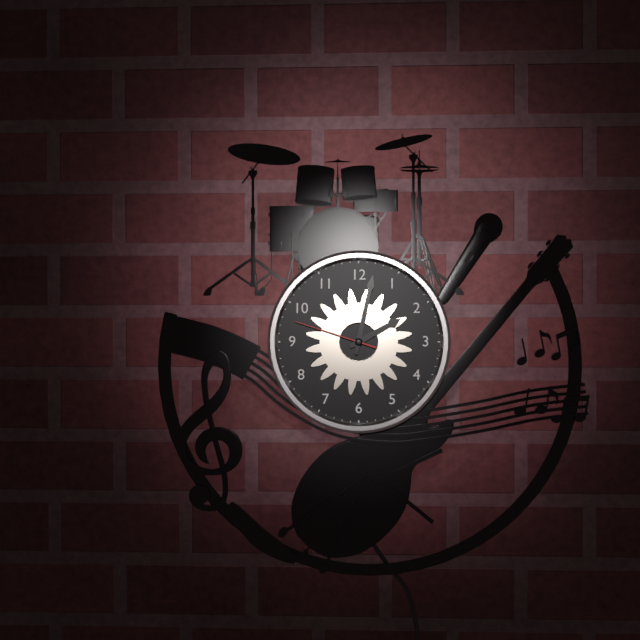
2:02:48
